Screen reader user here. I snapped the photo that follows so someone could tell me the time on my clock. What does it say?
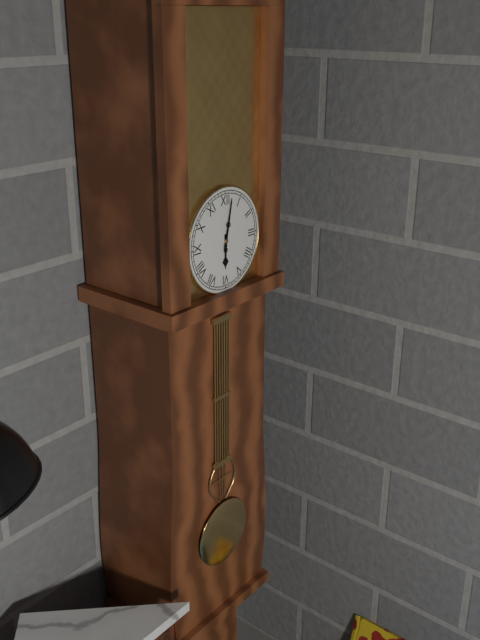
6:02
